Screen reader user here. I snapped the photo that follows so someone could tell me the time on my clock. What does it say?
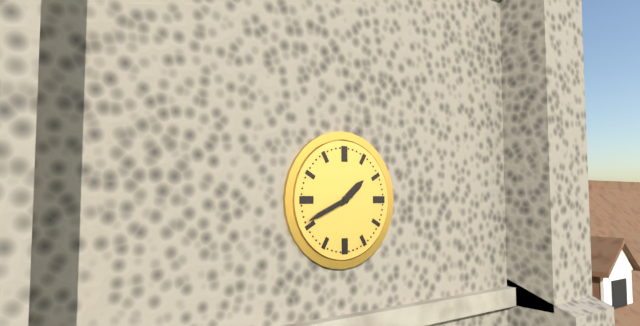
1:41
